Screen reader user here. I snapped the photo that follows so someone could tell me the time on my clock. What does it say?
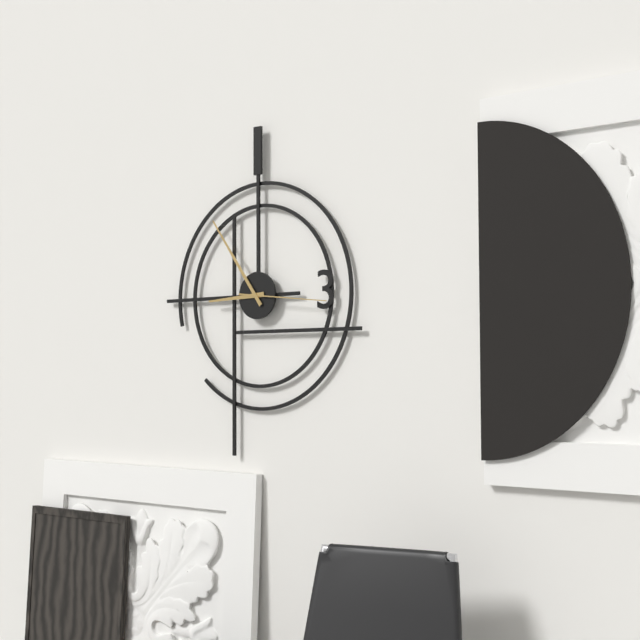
8:54:16
